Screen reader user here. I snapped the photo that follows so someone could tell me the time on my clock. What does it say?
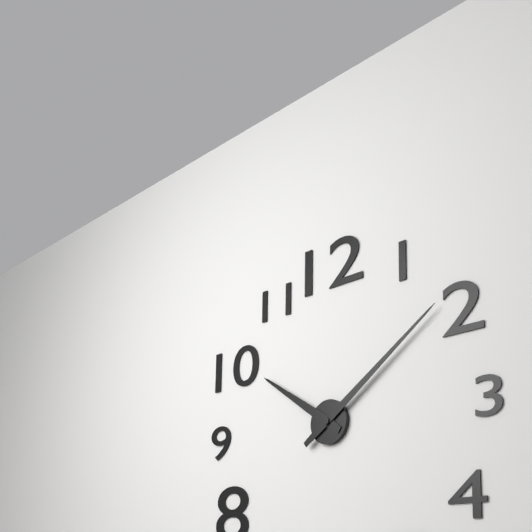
10:09
